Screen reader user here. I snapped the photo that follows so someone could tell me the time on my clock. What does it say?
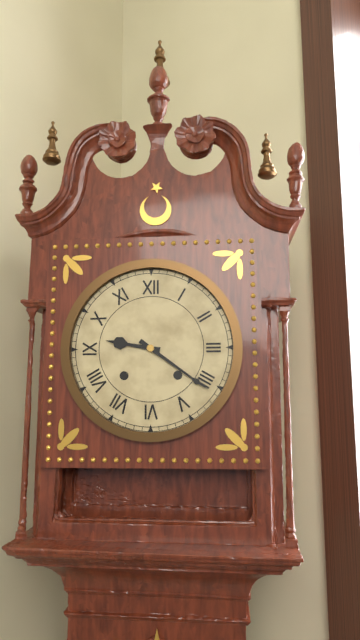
9:21
